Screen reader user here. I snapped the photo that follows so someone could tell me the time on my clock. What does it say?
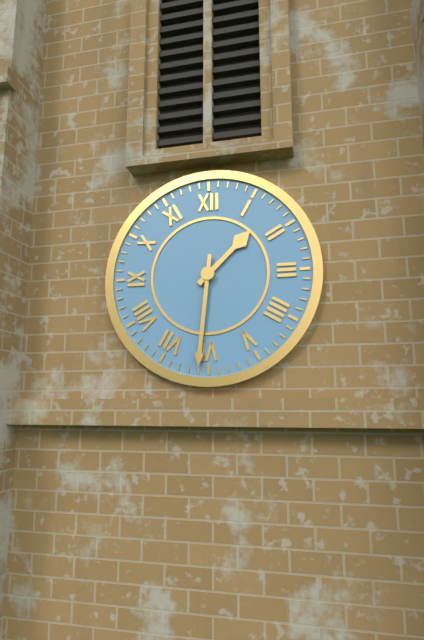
1:31
